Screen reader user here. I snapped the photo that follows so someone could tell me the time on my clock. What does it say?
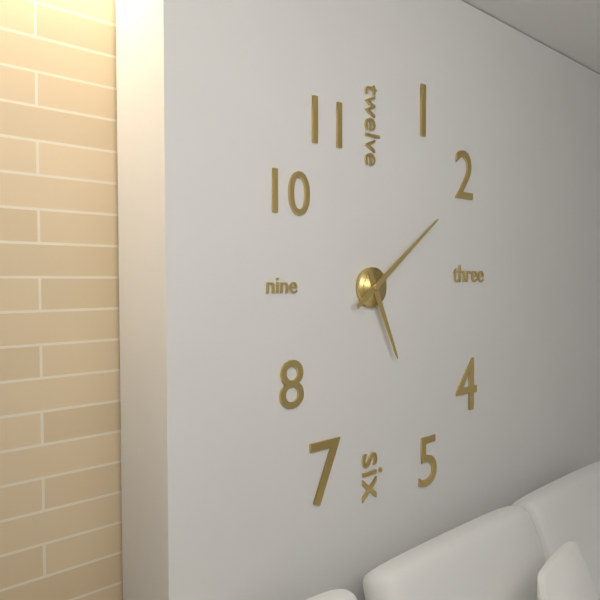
5:09
